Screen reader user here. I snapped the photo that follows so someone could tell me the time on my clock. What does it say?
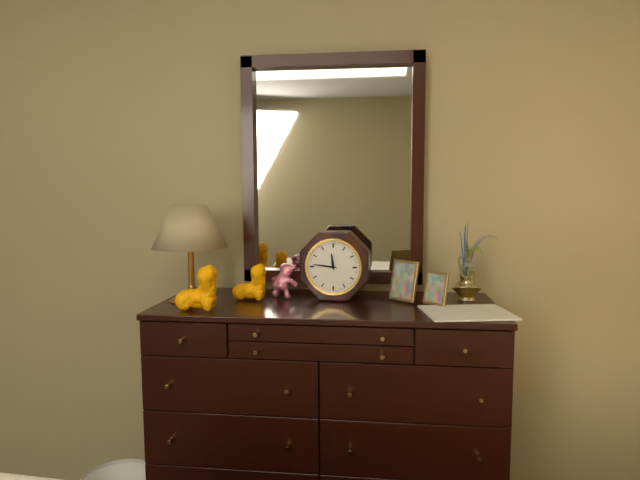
11:46
